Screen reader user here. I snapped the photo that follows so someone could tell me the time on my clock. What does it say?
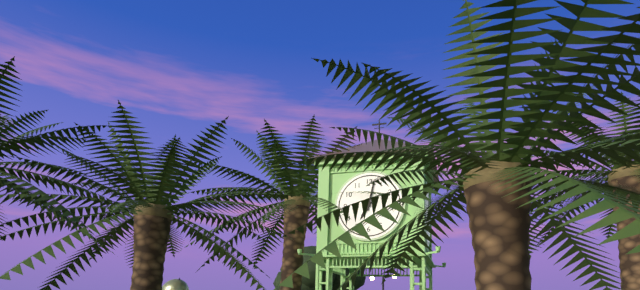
7:02
